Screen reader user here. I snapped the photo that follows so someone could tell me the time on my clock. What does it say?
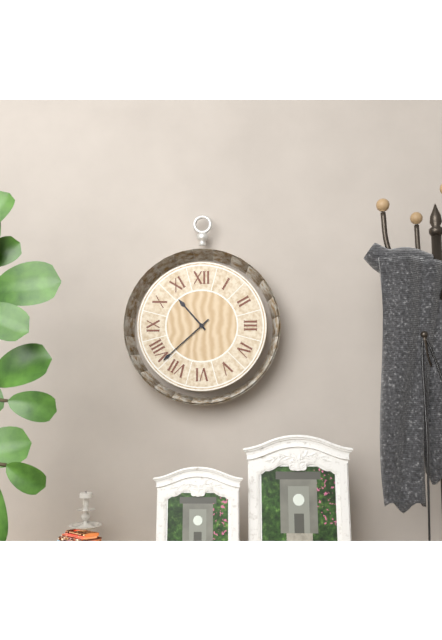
10:38
